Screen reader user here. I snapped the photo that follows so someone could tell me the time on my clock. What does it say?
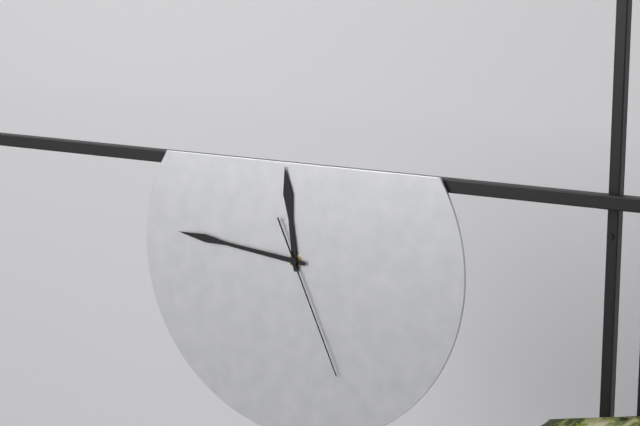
11:46:26
